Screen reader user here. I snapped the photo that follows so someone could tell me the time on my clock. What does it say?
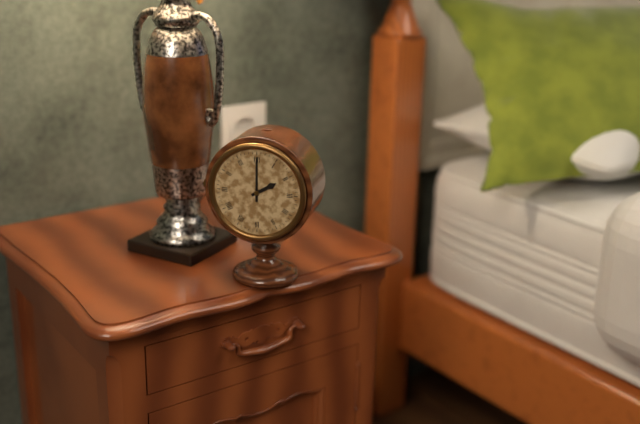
2:00
